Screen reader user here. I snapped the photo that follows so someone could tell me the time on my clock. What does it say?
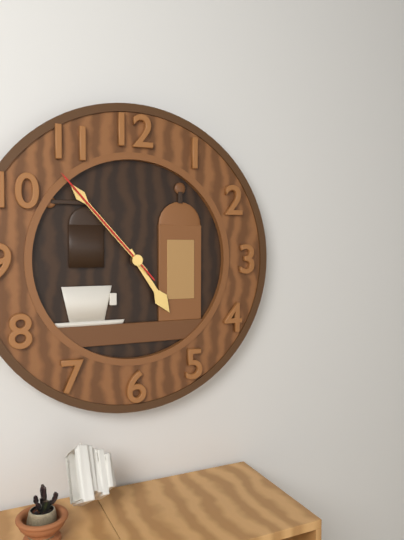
4:53:53
